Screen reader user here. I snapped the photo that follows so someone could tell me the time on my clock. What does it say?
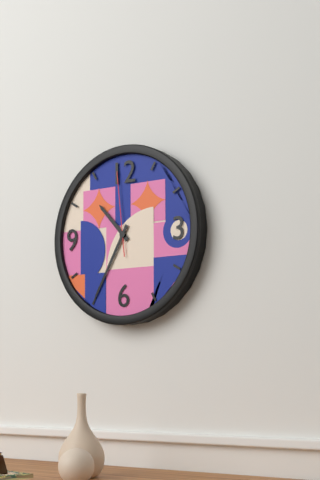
10:35:59
